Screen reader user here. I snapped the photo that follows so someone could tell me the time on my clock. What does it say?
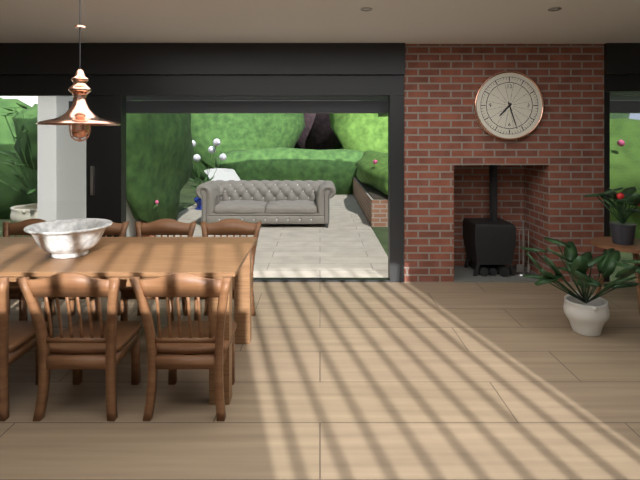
7:27
